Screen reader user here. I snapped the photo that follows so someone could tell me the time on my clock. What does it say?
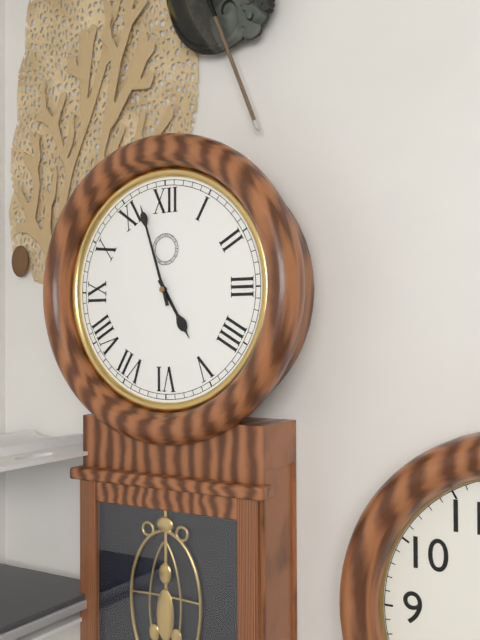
4:57
